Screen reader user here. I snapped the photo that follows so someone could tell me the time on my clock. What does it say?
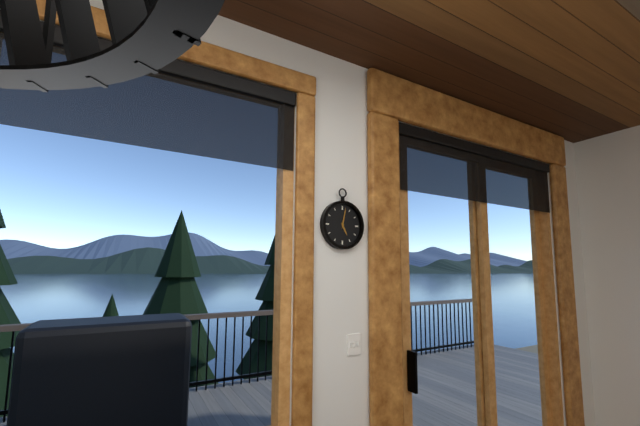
5:02
